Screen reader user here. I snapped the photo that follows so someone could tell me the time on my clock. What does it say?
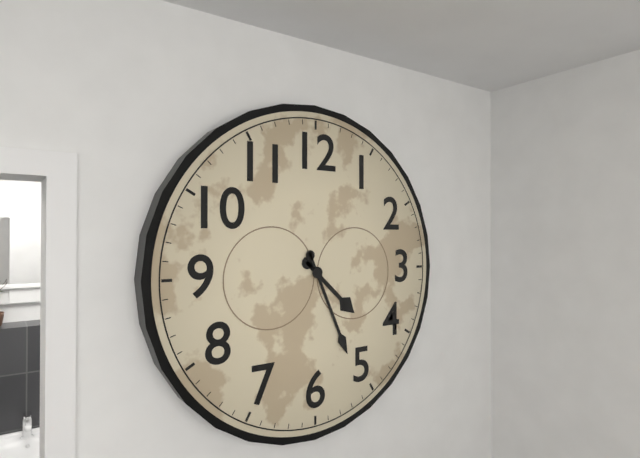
4:26
